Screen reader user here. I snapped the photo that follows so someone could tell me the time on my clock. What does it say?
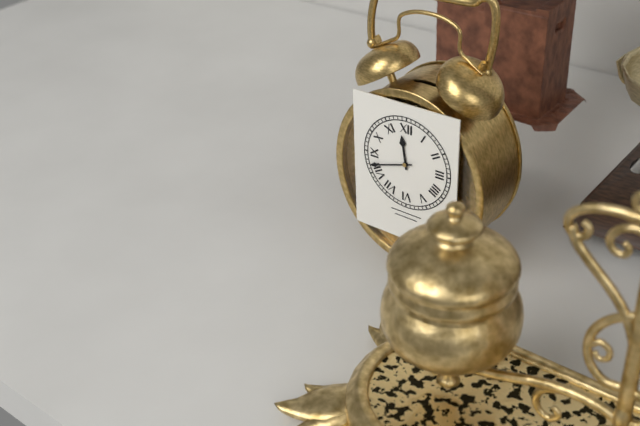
11:42
